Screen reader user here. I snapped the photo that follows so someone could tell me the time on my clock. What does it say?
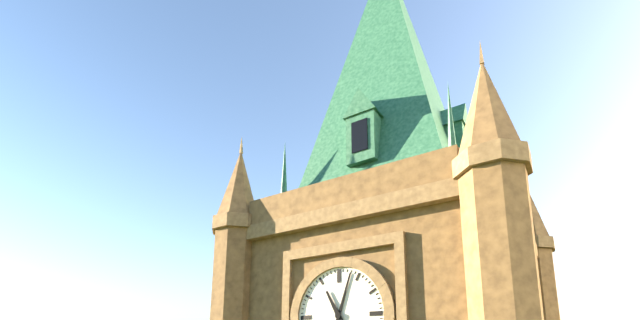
11:03
